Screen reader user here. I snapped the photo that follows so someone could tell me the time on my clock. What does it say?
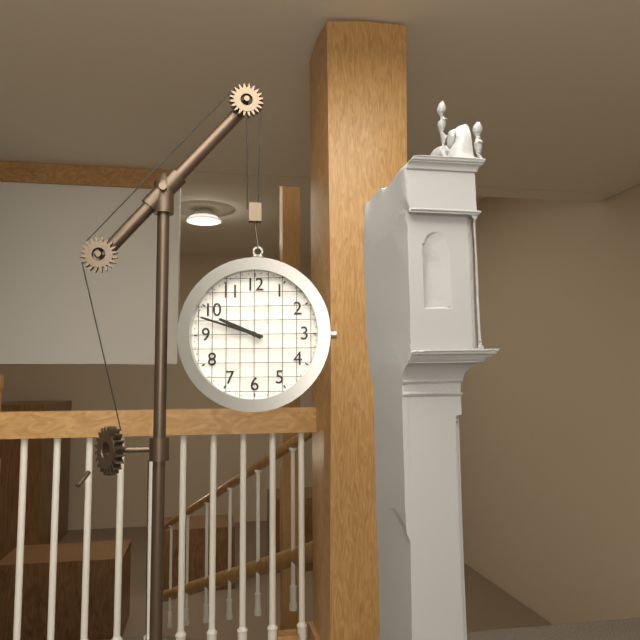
9:48
